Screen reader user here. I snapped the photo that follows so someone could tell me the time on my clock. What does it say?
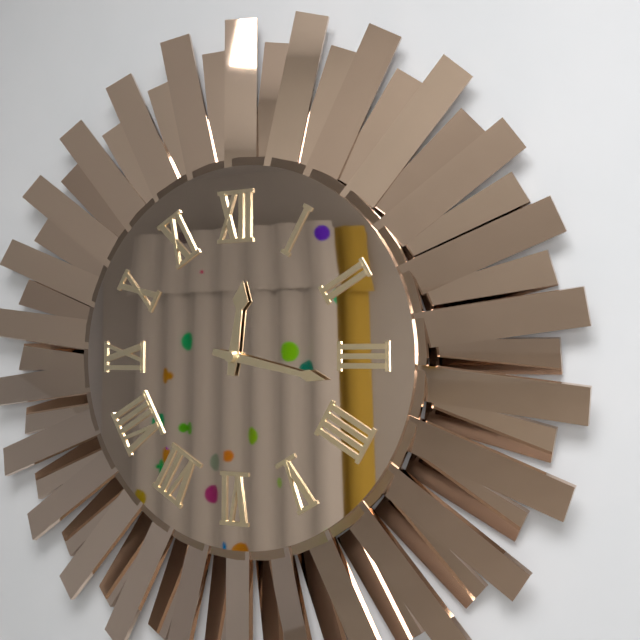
12:17
